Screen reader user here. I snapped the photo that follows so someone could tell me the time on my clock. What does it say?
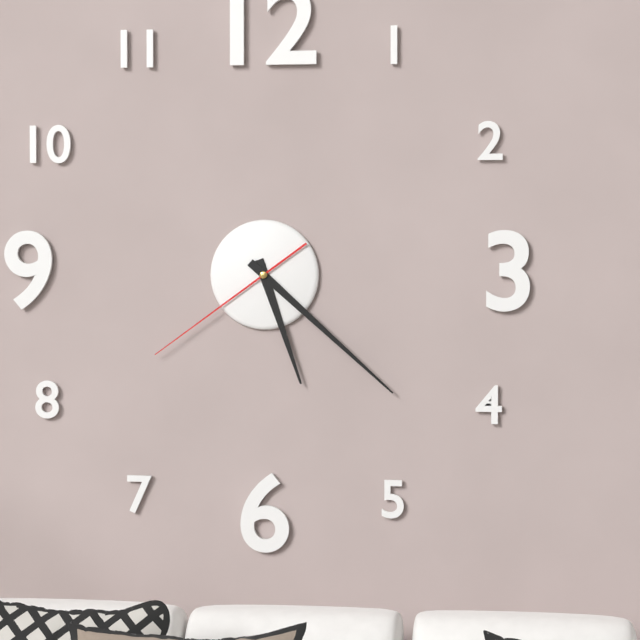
5:22:39
